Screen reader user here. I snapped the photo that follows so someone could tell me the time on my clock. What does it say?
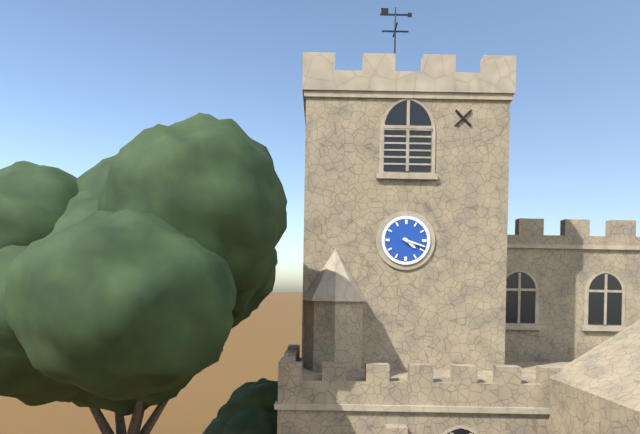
4:18
